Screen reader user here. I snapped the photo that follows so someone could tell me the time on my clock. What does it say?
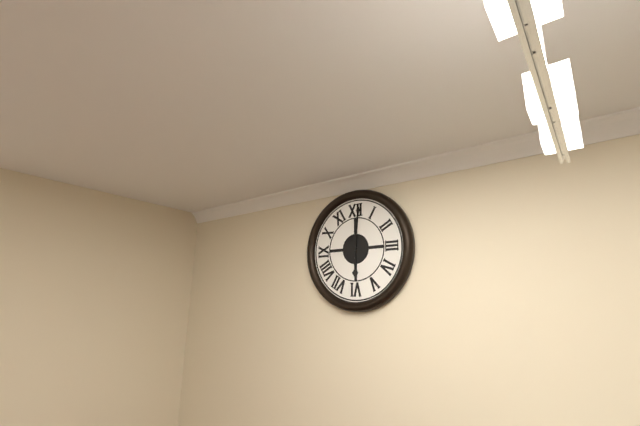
6:01
